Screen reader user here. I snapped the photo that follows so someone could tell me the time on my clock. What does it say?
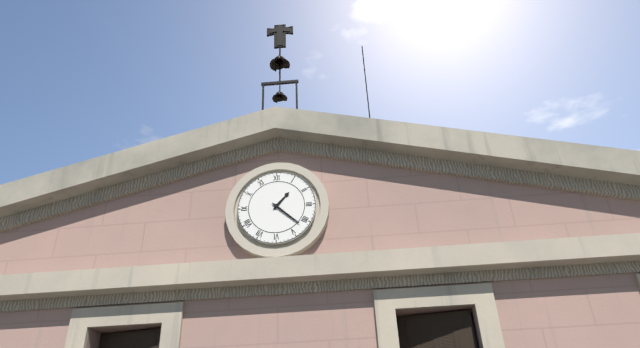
1:22
